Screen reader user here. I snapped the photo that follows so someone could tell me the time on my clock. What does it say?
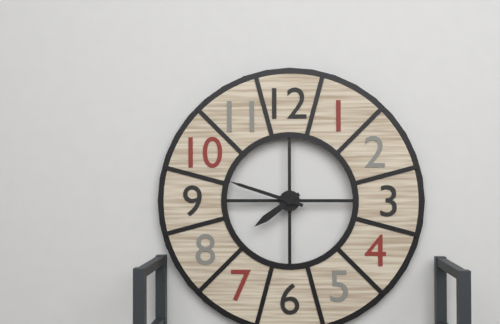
7:48
